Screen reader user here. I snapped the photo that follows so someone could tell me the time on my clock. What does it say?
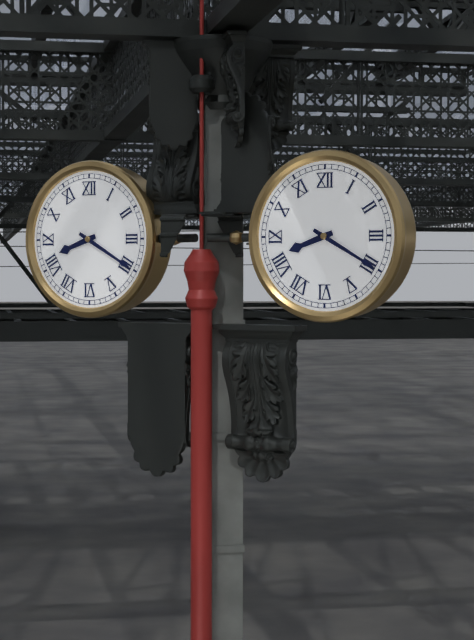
8:20
